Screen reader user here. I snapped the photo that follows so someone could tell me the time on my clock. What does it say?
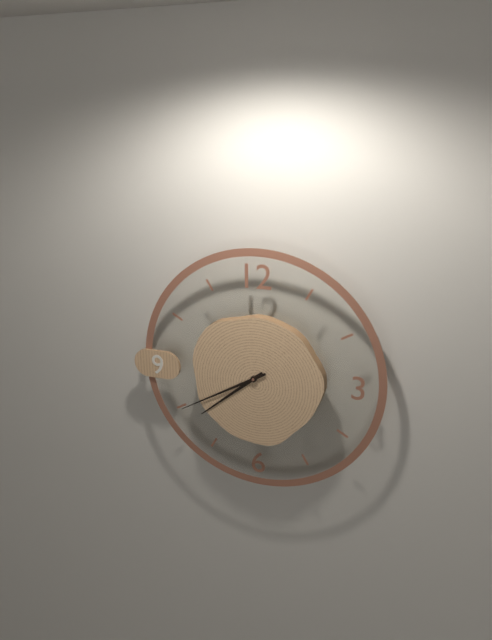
7:40
